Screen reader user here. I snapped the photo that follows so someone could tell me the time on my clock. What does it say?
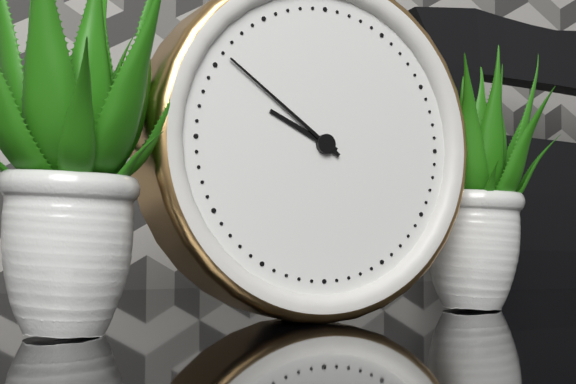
9:51
